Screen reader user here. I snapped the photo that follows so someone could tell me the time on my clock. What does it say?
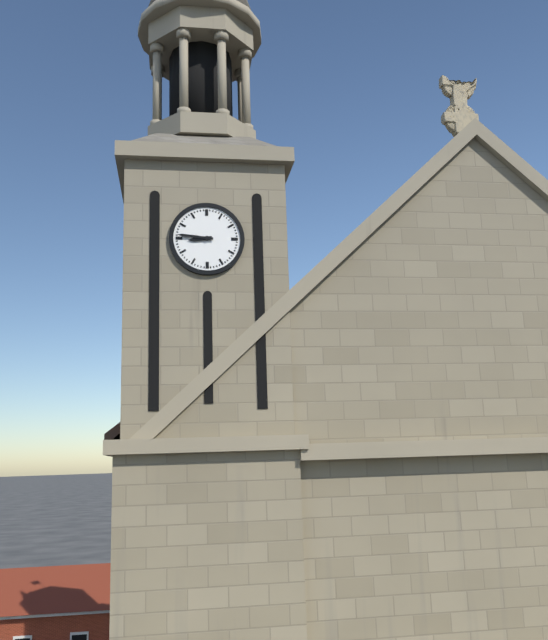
8:46
